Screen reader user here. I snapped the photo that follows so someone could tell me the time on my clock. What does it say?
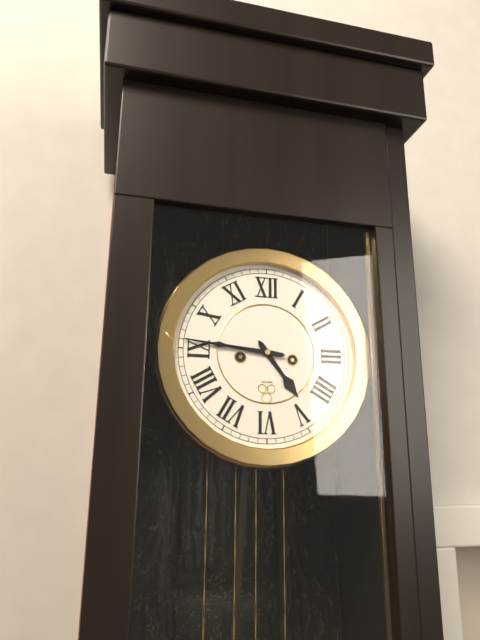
4:46
